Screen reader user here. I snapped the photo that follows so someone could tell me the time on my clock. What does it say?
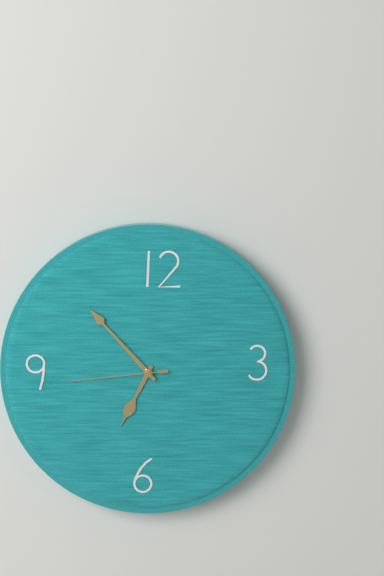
6:53:44
